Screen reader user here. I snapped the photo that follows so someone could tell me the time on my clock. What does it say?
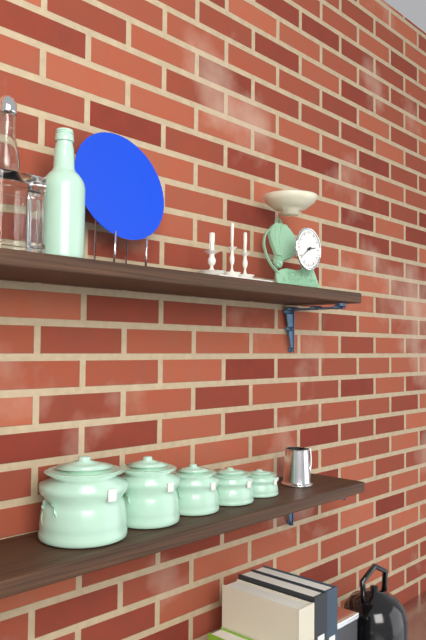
2:39
